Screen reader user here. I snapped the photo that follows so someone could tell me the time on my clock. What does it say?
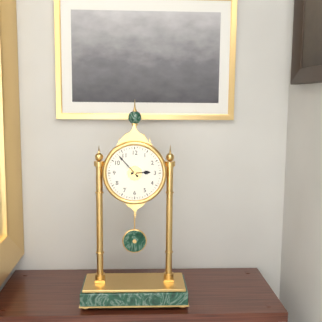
2:53
